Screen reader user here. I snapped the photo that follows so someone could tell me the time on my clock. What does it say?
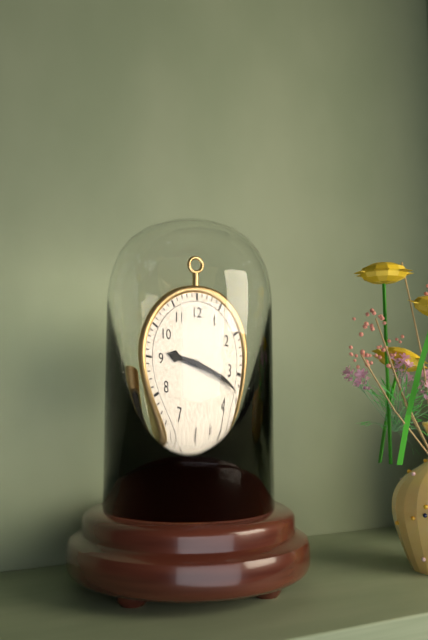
9:17
